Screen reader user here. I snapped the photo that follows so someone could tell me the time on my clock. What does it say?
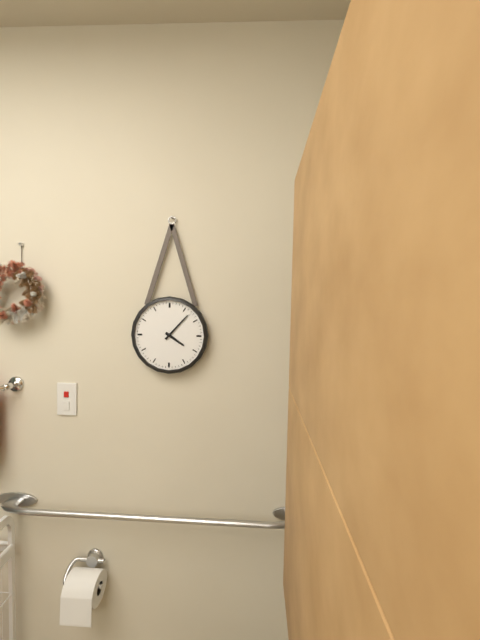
4:07
